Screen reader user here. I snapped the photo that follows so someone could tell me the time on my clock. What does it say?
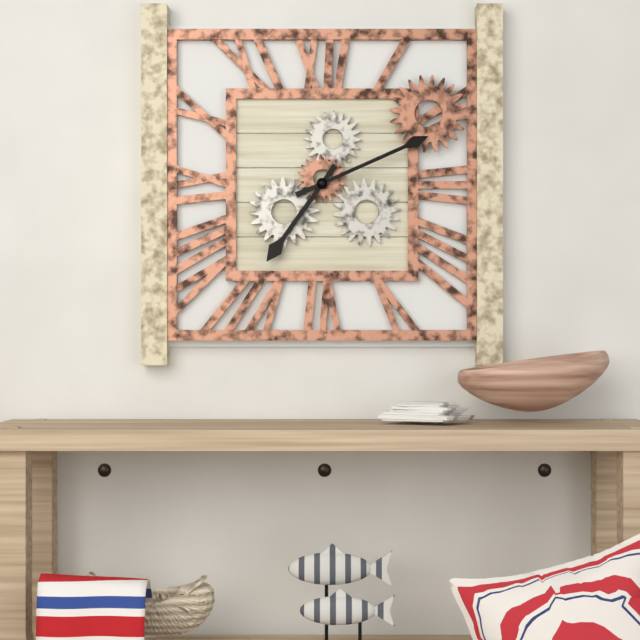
7:11
